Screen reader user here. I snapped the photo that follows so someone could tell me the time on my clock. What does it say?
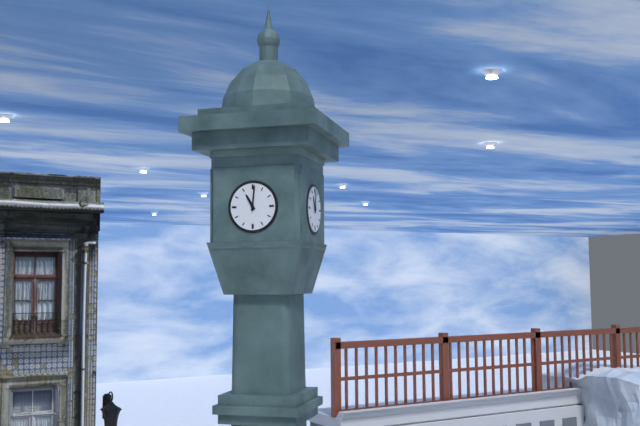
11:01
